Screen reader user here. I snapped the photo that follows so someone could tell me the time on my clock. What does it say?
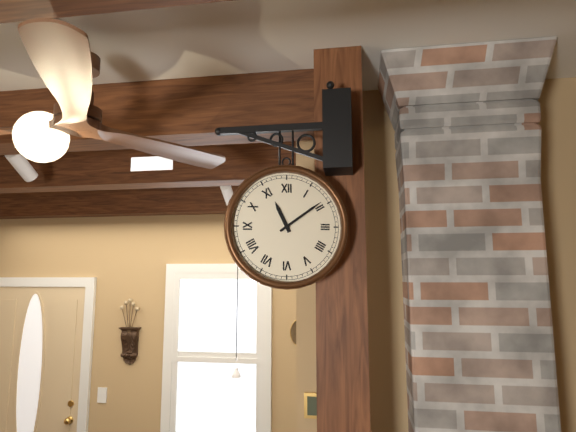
11:09
